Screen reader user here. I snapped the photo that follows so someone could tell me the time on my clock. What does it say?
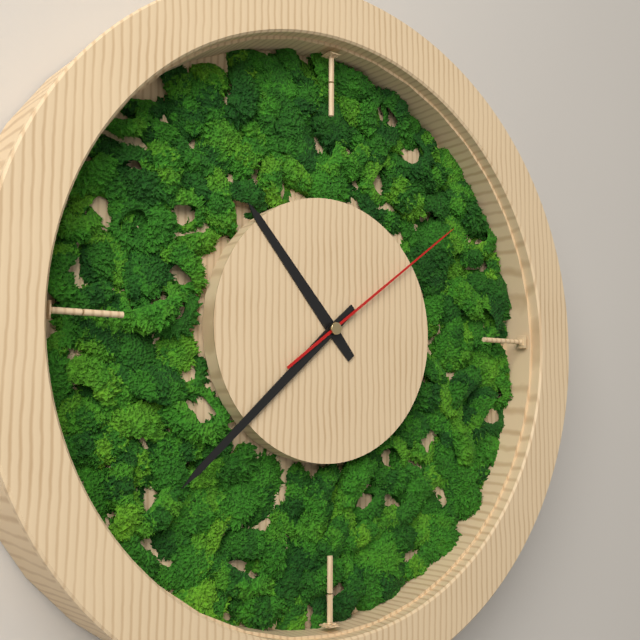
10:38:09
